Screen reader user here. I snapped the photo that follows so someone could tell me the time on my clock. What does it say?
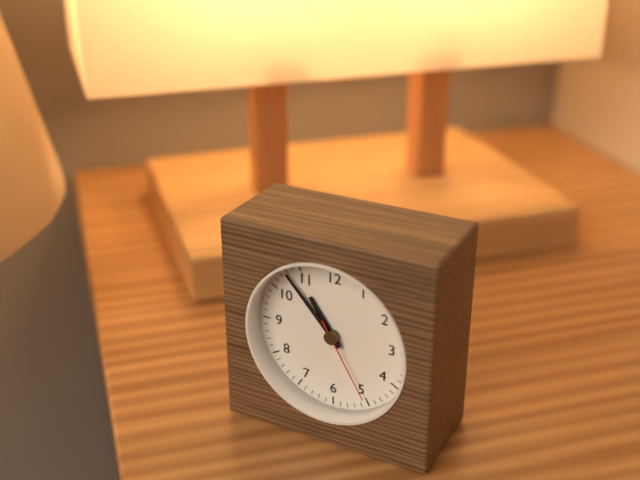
10:53:25
